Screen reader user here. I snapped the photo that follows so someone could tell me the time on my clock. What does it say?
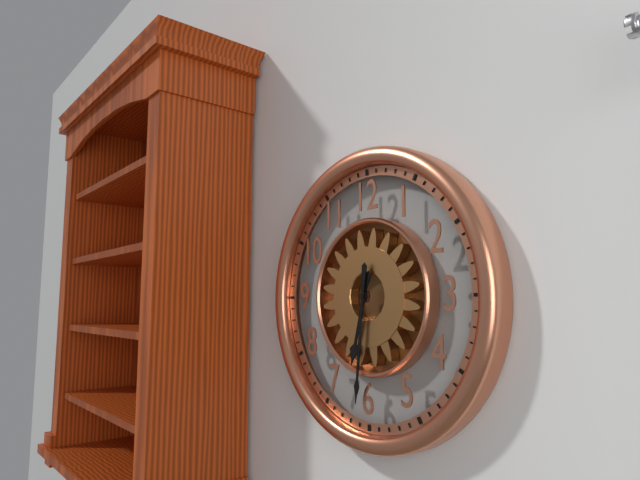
6:31
